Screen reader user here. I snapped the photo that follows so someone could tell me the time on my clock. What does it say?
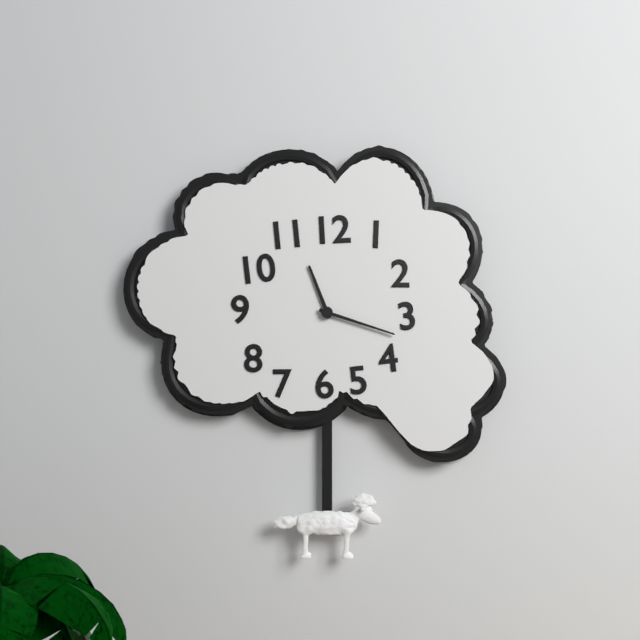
11:18
